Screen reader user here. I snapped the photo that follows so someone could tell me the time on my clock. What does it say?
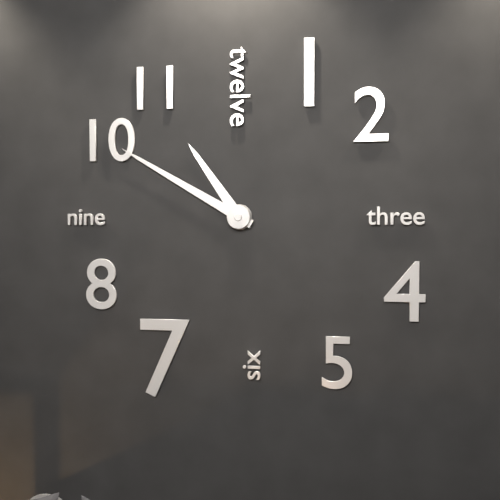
10:50
